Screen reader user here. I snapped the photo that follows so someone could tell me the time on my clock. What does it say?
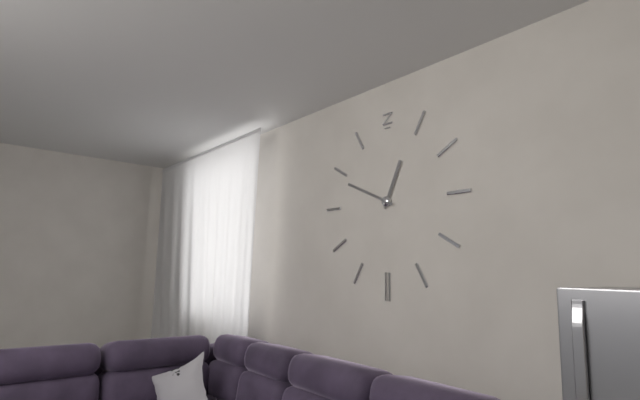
12:49
